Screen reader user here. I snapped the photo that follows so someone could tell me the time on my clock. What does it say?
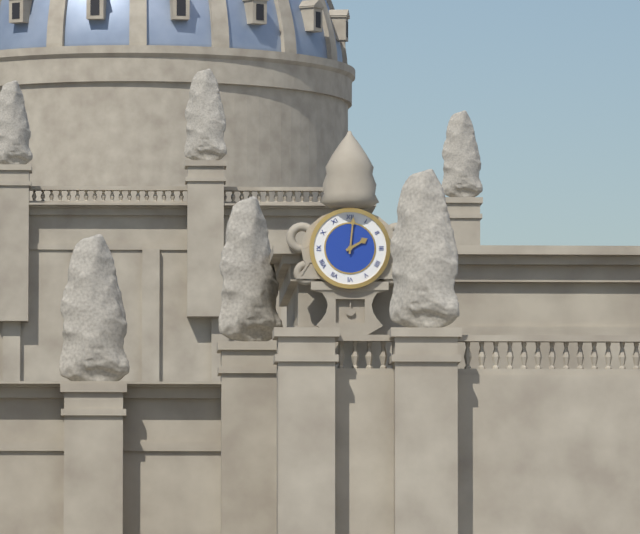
2:01
